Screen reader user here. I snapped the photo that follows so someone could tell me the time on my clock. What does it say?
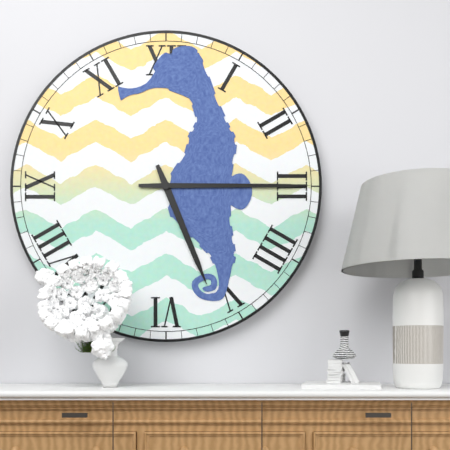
5:15
